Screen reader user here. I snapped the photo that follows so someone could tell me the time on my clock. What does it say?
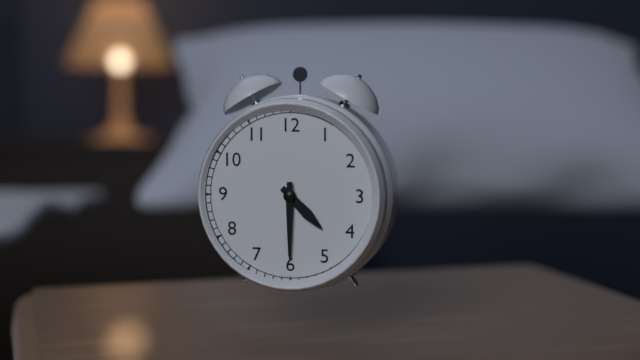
4:30
